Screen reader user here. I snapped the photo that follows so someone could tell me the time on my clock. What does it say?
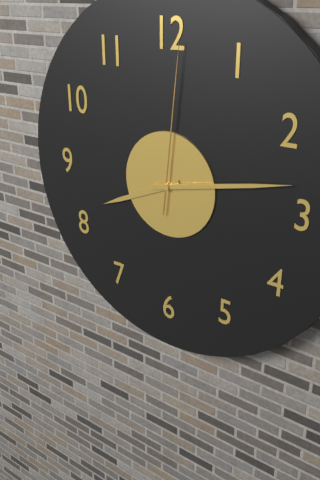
8:13:01
